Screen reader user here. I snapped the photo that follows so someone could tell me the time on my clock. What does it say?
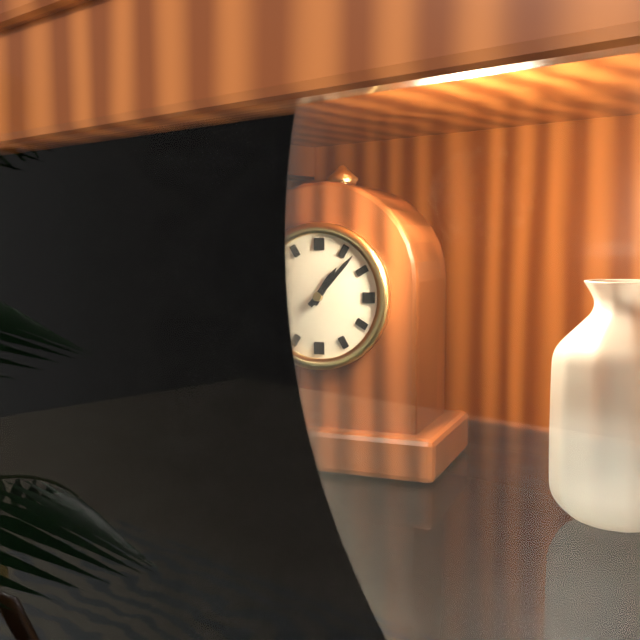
1:07
